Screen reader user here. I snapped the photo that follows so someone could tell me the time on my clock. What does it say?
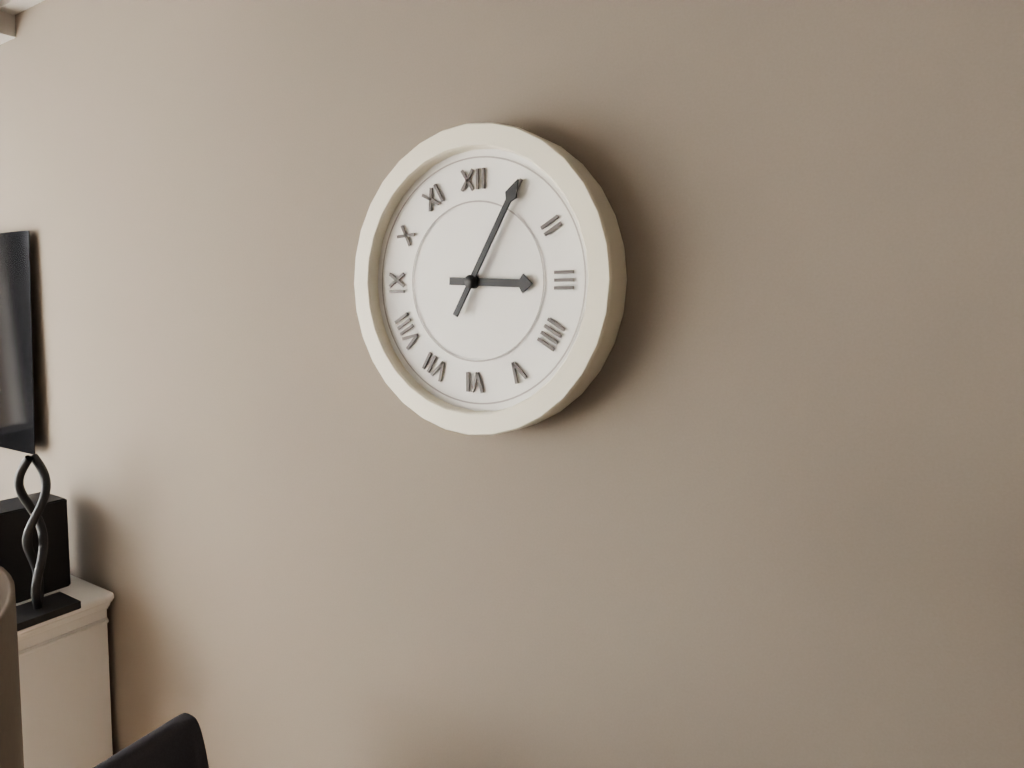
3:05
